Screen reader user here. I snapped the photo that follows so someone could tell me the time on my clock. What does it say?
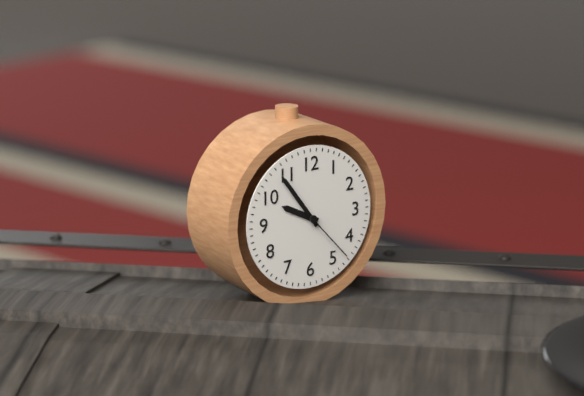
9:54:23
